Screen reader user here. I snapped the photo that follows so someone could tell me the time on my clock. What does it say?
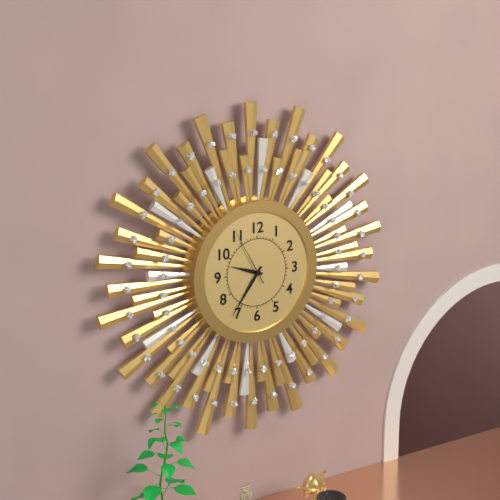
9:36:55
